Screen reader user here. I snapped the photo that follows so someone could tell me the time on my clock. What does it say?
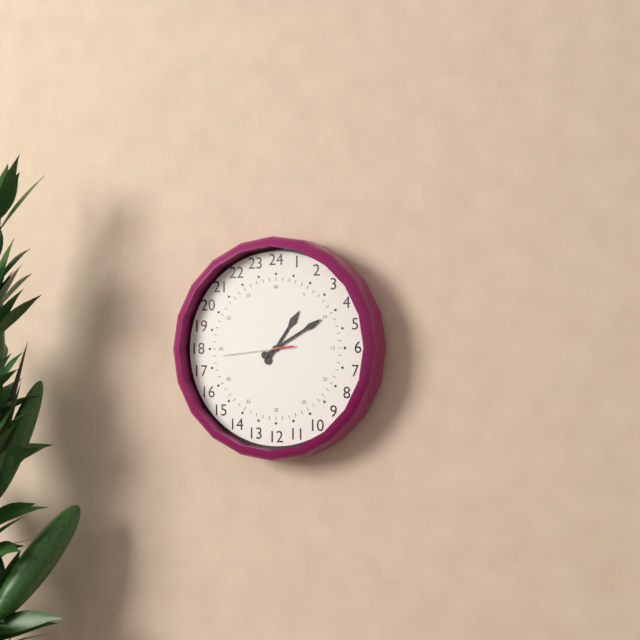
1:10:44
